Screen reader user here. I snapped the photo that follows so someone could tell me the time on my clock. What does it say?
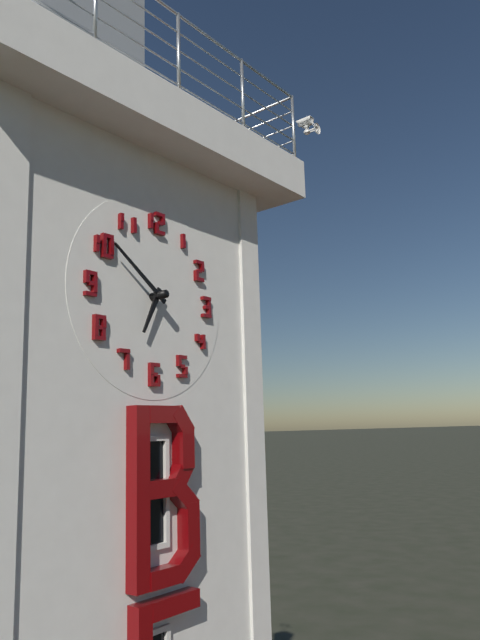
6:51
